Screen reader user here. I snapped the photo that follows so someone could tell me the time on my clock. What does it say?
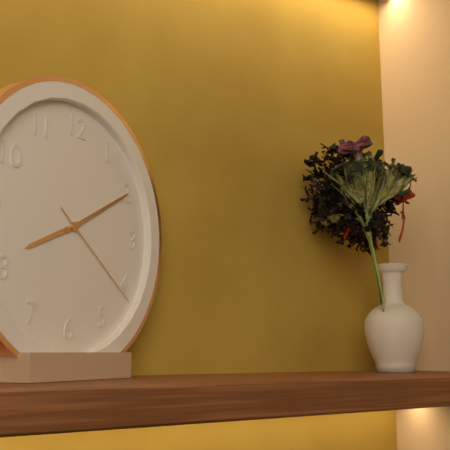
8:10:21
